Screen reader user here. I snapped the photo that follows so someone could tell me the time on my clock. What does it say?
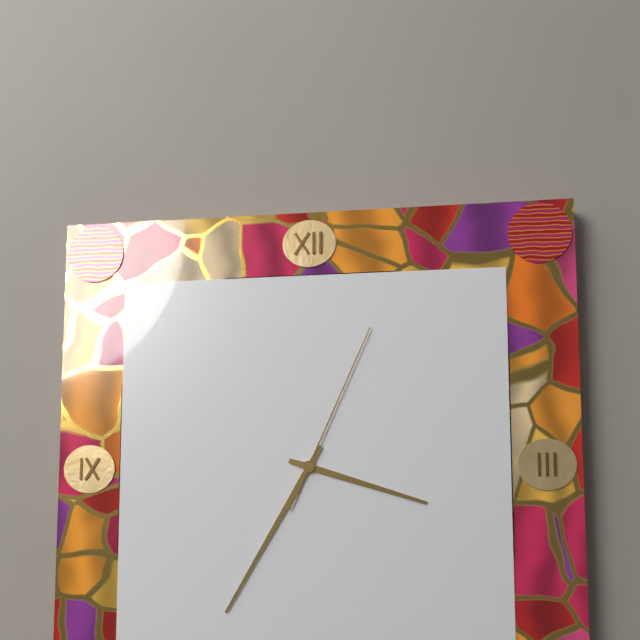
3:35:04
